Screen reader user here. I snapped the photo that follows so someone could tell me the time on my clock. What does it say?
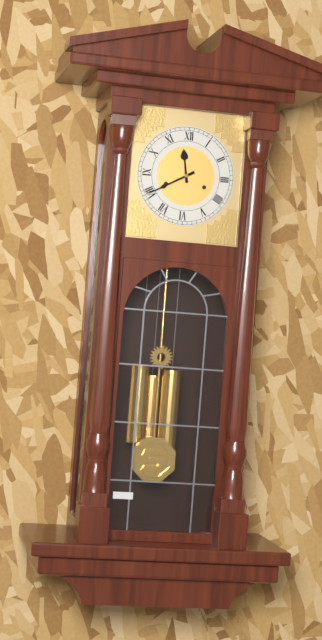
11:40
